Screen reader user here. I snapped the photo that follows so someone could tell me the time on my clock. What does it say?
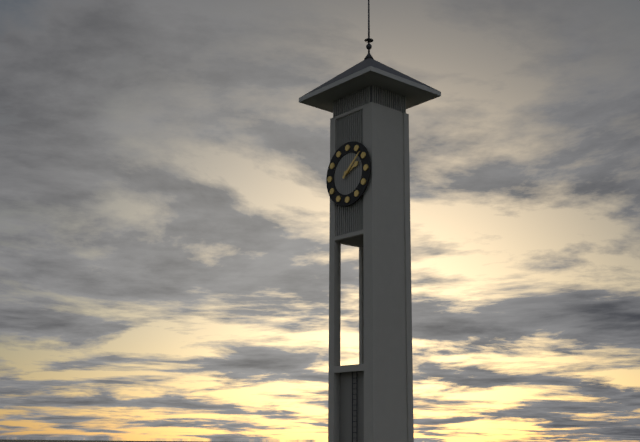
2:08
